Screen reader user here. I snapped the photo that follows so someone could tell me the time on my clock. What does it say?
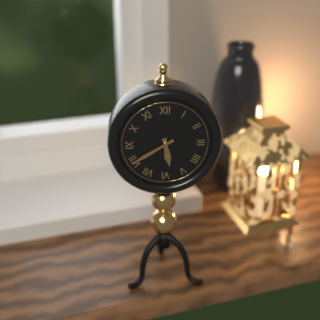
5:40
